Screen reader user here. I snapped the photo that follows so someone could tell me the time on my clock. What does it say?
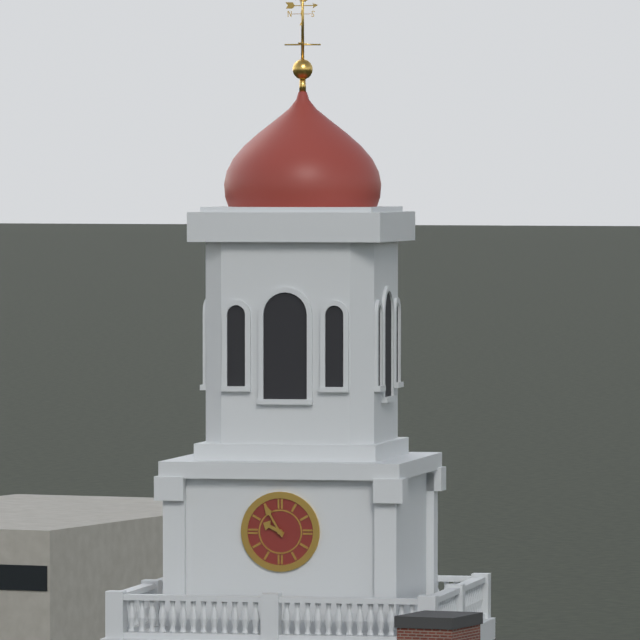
9:55
